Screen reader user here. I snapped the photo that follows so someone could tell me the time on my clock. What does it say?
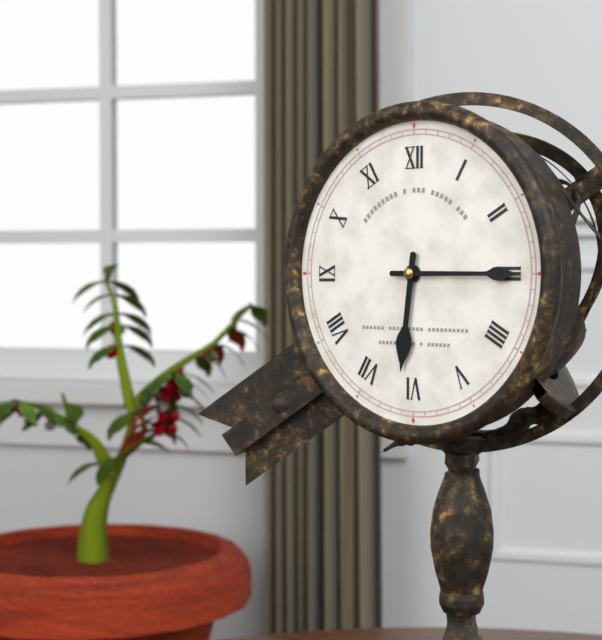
6:15
